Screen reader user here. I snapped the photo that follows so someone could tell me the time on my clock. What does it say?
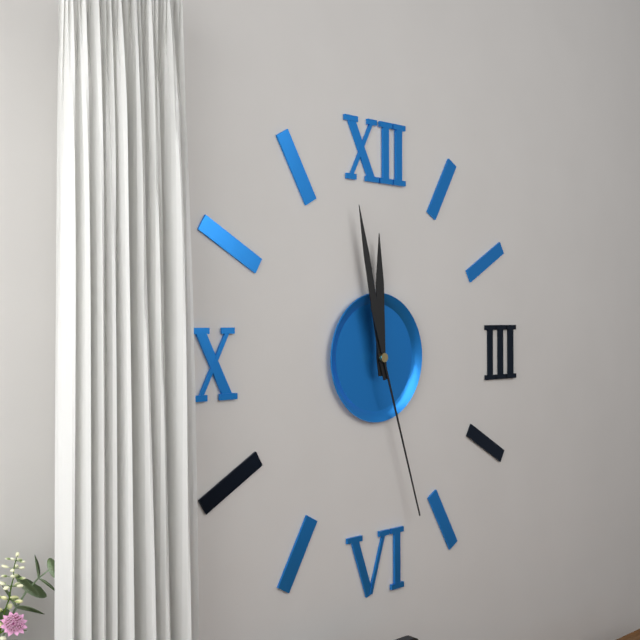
11:58:27
